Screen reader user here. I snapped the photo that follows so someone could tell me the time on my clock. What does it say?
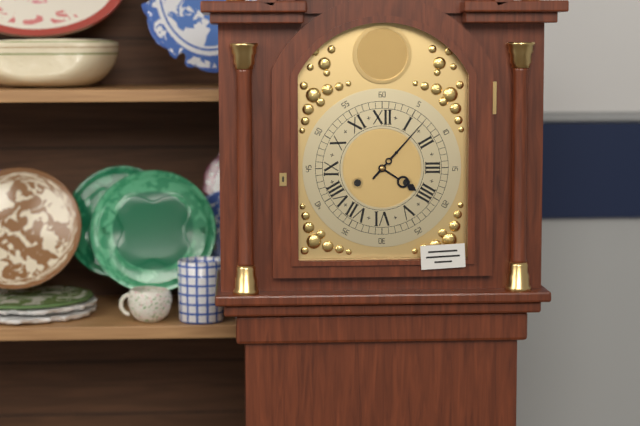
4:07
